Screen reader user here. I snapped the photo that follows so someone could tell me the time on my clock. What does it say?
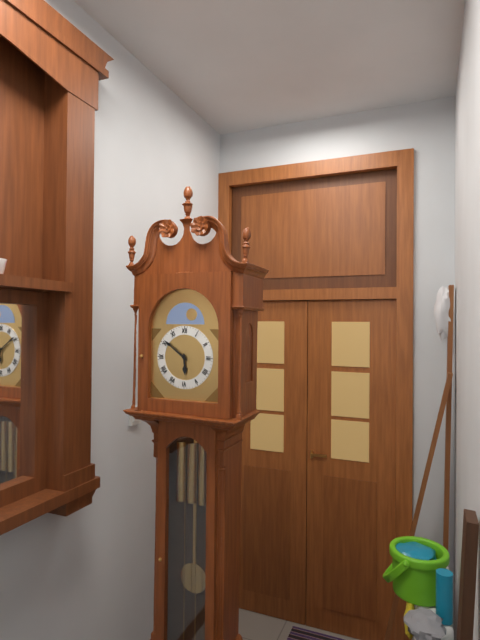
5:51
